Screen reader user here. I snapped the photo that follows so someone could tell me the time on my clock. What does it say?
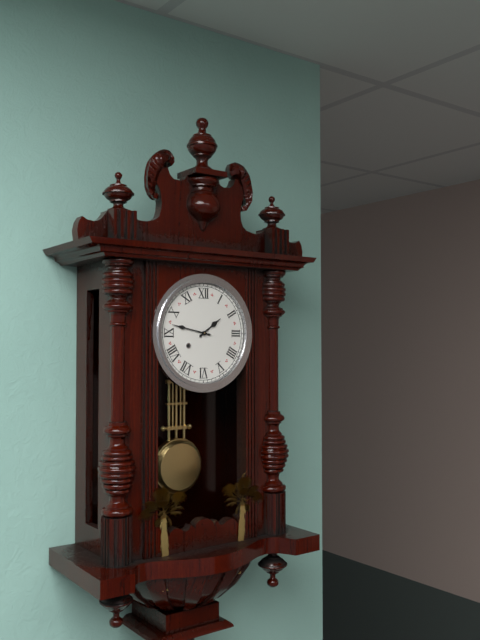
1:47
